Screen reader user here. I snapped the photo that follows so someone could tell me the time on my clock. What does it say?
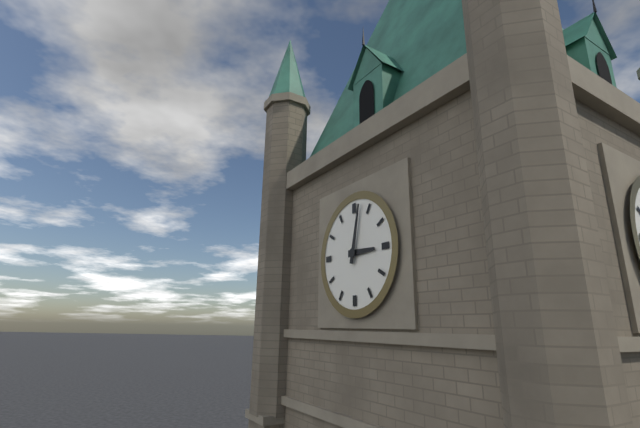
3:02
